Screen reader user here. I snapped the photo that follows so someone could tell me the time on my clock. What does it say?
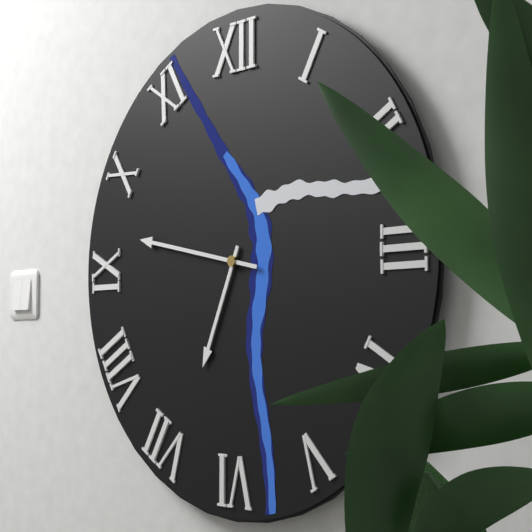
6:47
